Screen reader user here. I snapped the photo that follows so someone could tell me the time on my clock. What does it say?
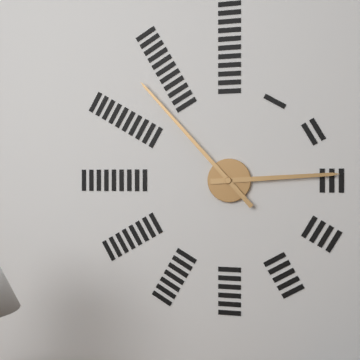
2:53
